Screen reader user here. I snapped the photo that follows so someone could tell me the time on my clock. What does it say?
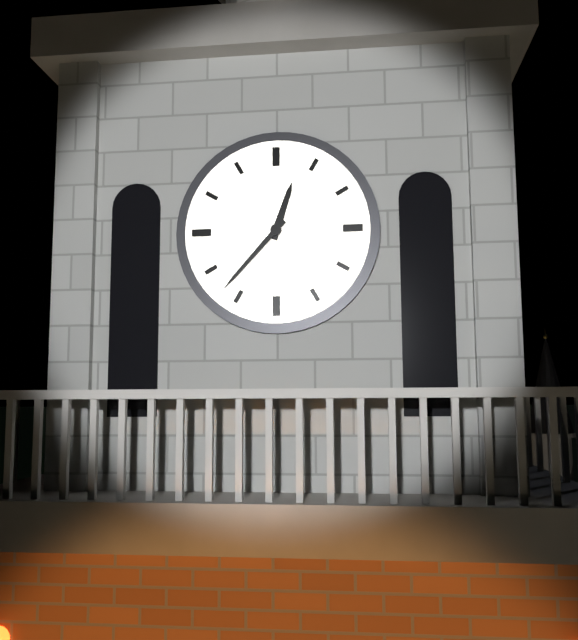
12:37
